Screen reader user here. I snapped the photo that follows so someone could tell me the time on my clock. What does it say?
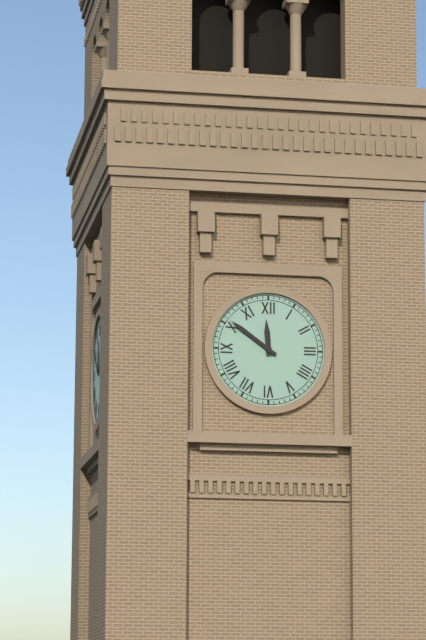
11:51
